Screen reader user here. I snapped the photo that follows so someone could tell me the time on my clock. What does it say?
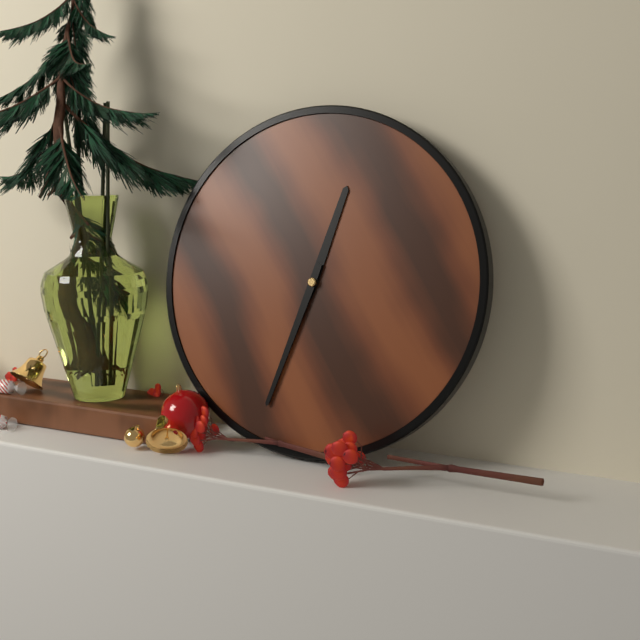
12:33
